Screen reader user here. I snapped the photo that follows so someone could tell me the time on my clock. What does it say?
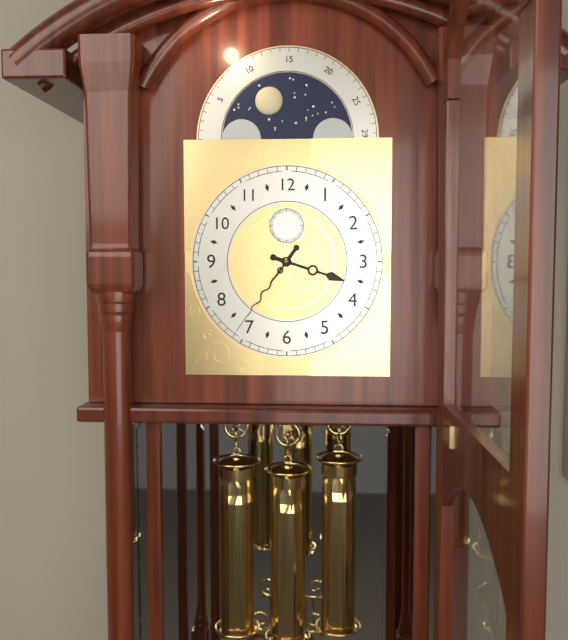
3:36
